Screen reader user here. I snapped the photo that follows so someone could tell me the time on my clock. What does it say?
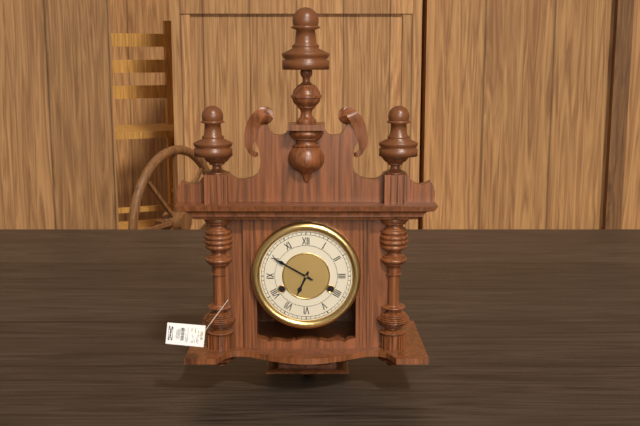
6:50
